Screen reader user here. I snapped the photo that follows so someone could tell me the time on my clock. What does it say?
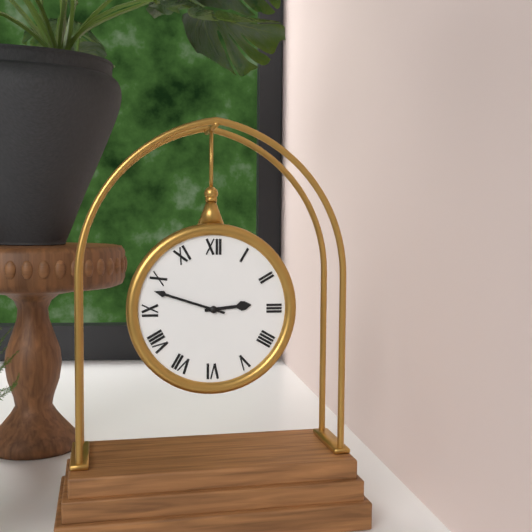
2:48
